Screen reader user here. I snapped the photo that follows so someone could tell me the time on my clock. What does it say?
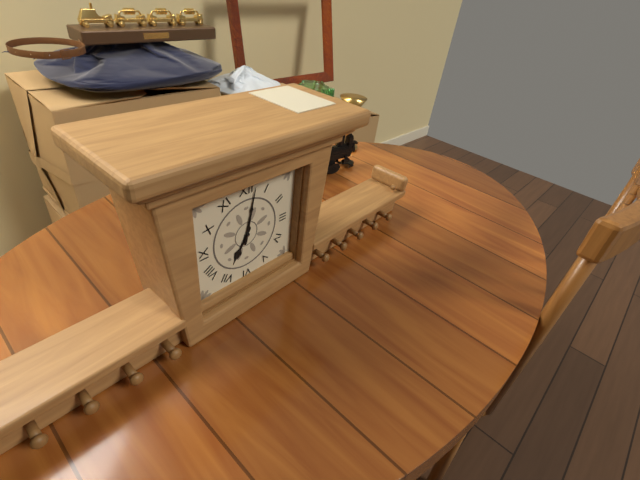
7:02
